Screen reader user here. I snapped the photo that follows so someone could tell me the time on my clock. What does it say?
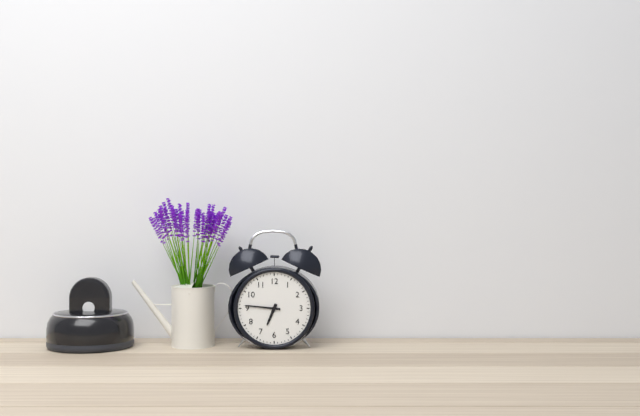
6:46
